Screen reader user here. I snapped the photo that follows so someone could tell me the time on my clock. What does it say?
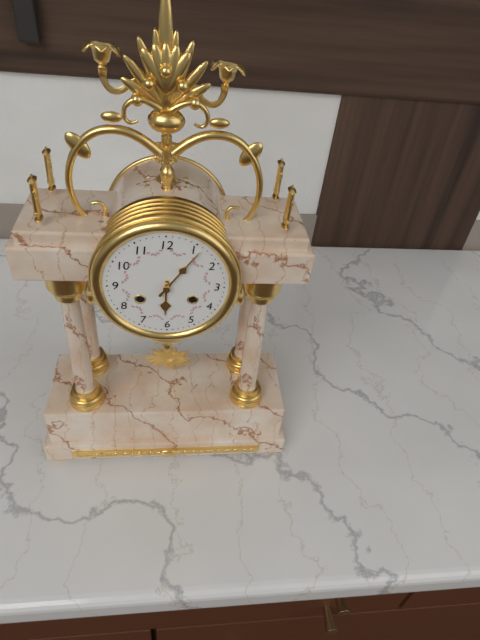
6:06
